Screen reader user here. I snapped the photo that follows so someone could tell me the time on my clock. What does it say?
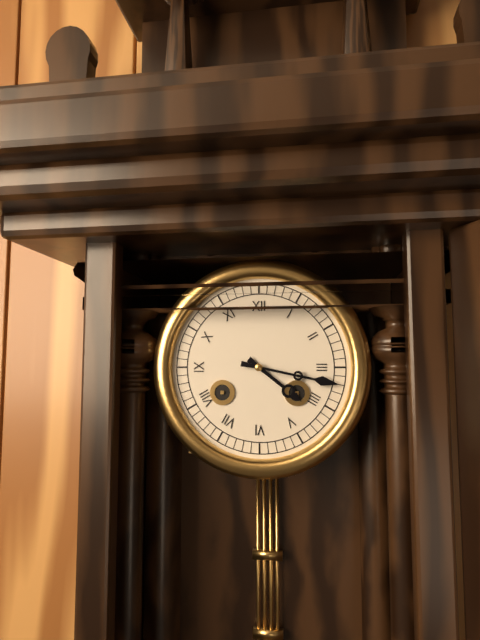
4:17
